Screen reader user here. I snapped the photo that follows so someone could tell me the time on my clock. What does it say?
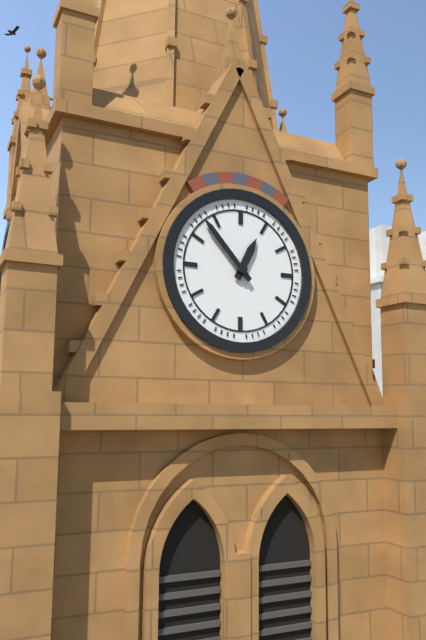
12:53
